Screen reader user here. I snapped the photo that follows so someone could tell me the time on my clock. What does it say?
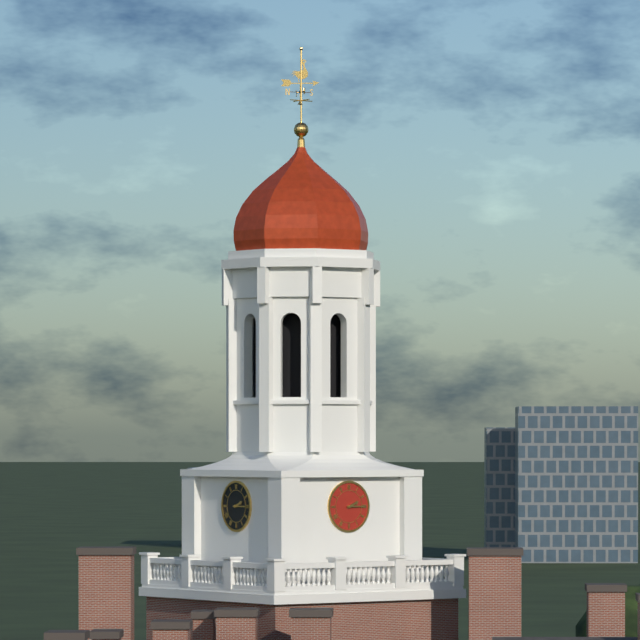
2:15
